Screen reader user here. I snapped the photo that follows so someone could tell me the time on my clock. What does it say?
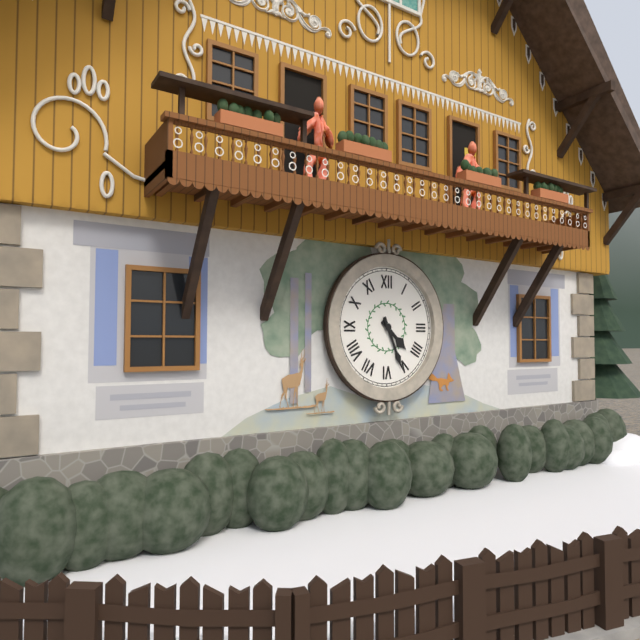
4:26
